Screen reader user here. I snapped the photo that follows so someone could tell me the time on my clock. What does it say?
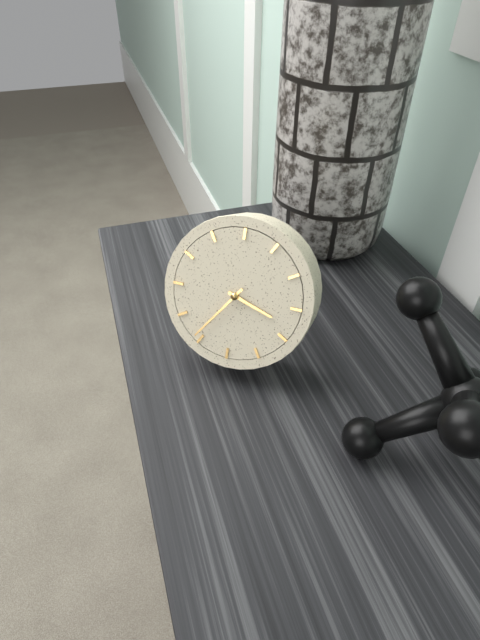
3:36
